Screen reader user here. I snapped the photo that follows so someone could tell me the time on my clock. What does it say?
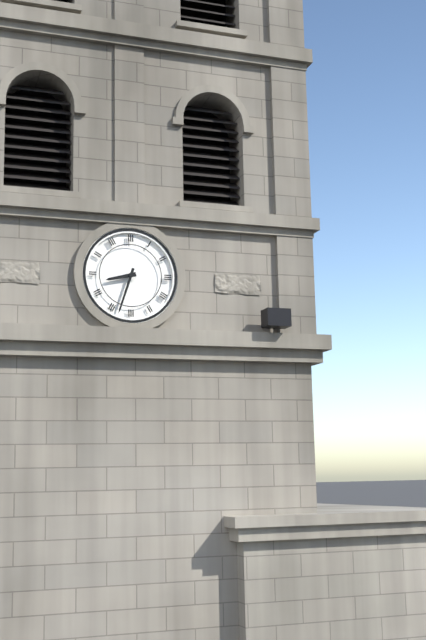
8:33
